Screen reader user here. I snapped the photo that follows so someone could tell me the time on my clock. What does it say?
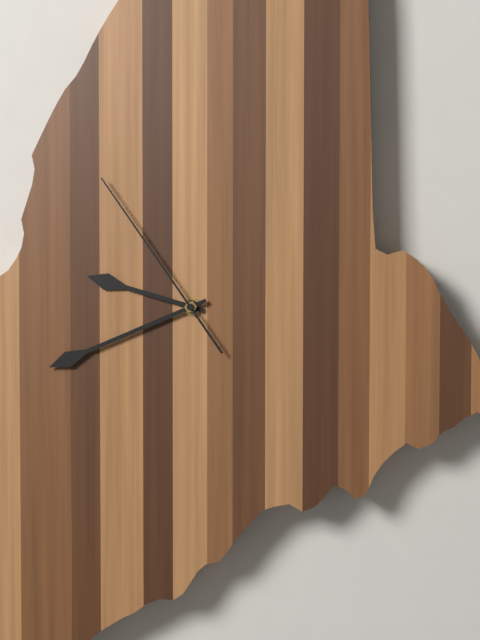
9:42:55
